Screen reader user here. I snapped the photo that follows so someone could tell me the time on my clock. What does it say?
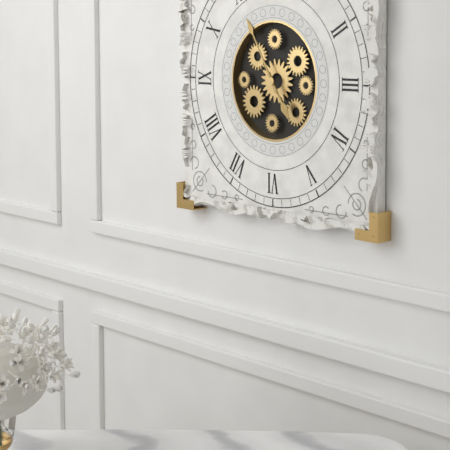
4:55
